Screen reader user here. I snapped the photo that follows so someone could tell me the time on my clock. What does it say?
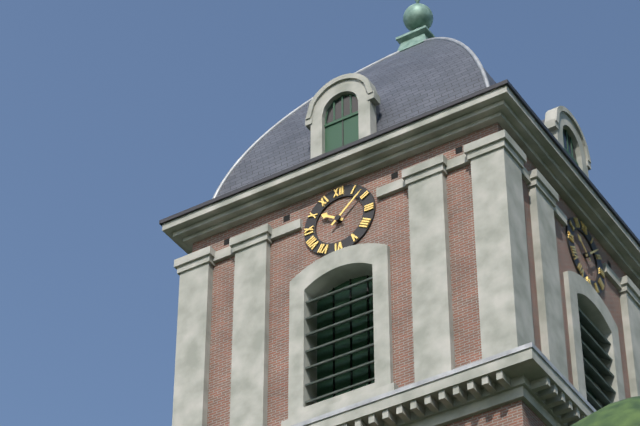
10:08
